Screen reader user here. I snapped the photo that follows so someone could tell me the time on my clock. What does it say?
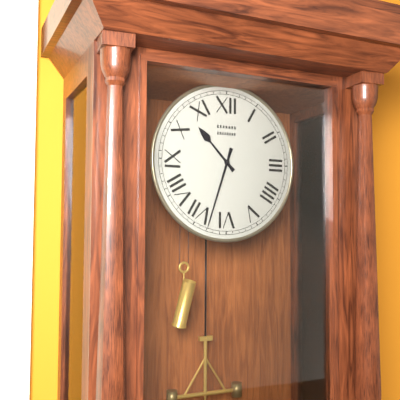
10:33
